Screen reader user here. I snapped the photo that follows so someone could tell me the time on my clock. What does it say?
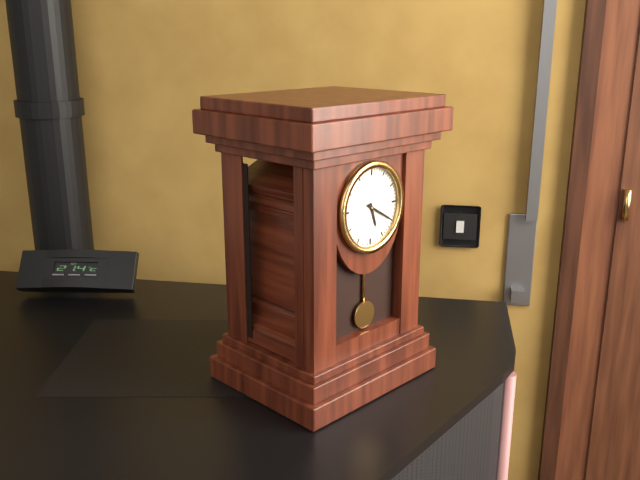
5:20
